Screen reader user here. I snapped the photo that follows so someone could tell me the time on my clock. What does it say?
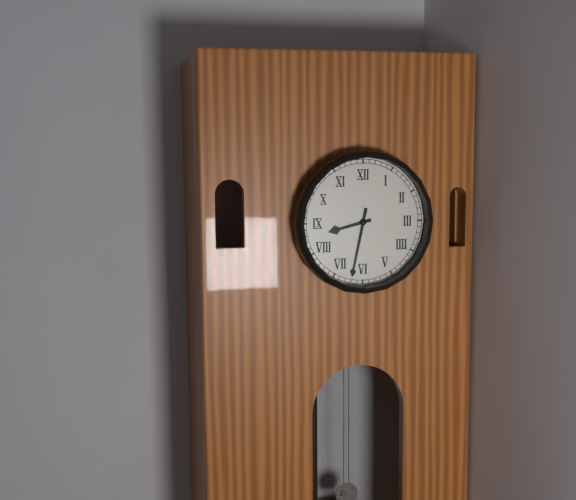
8:32
